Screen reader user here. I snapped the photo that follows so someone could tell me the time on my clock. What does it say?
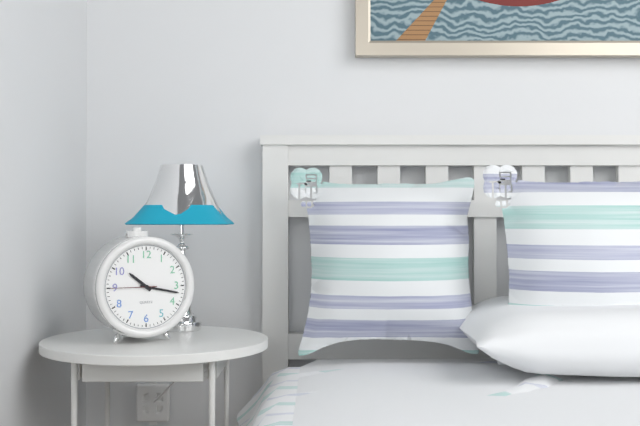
10:17
